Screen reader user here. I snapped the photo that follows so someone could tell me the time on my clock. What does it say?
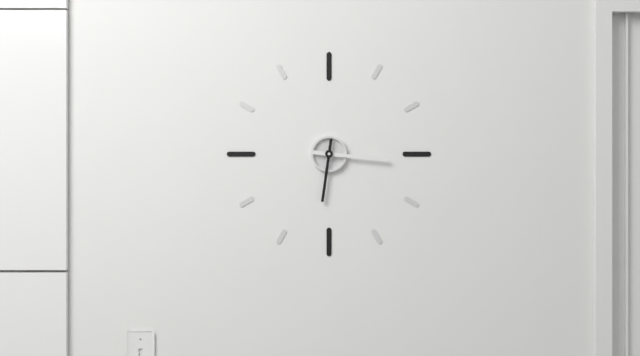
6:16
